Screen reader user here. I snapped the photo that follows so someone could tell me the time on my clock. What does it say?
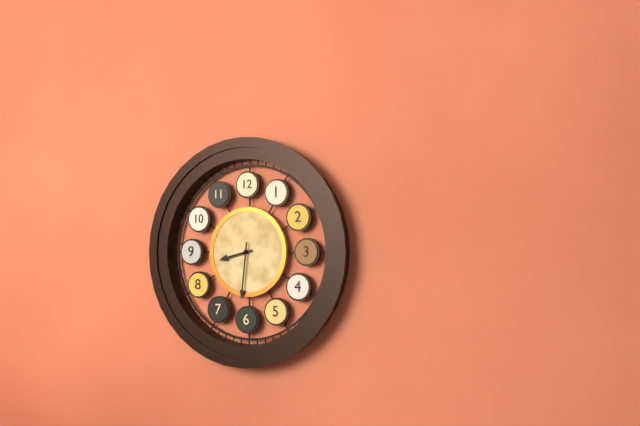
8:31
